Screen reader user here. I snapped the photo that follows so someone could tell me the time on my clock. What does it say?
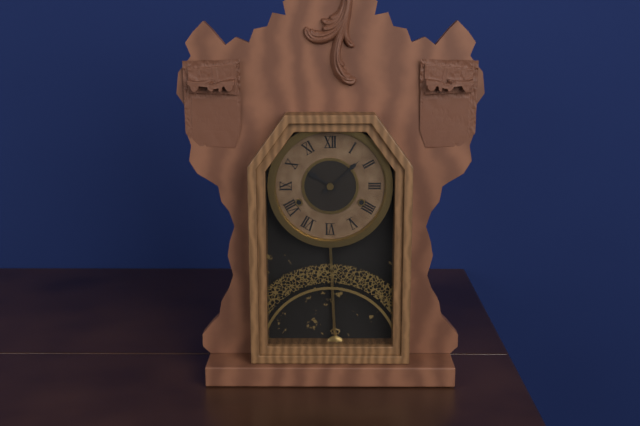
10:08
